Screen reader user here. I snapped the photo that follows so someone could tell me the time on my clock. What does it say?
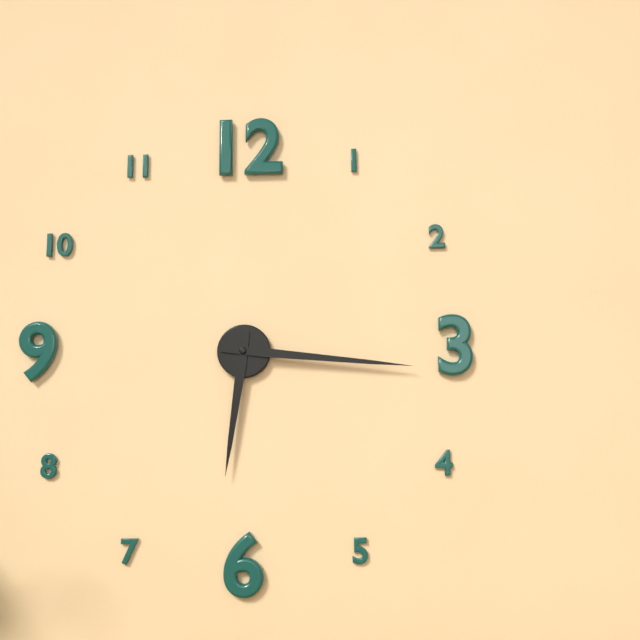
6:16
